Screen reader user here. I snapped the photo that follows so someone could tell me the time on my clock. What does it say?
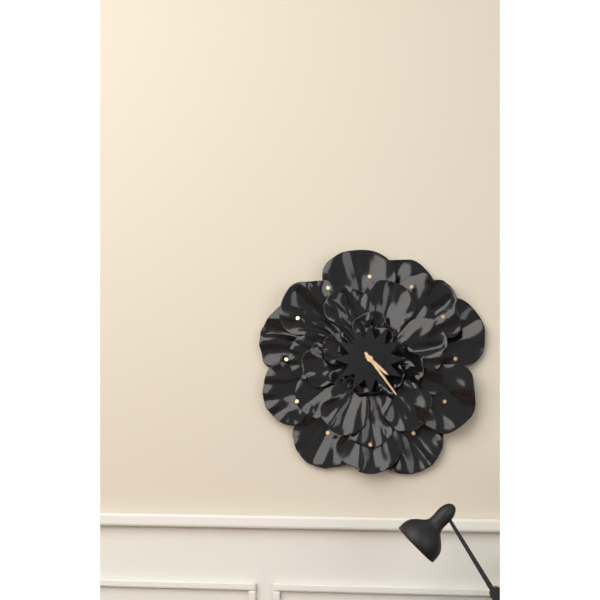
4:24
